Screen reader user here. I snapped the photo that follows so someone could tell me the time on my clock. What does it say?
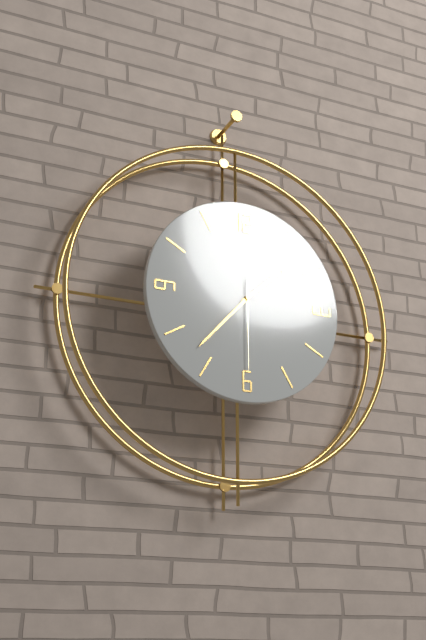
1:37:30
